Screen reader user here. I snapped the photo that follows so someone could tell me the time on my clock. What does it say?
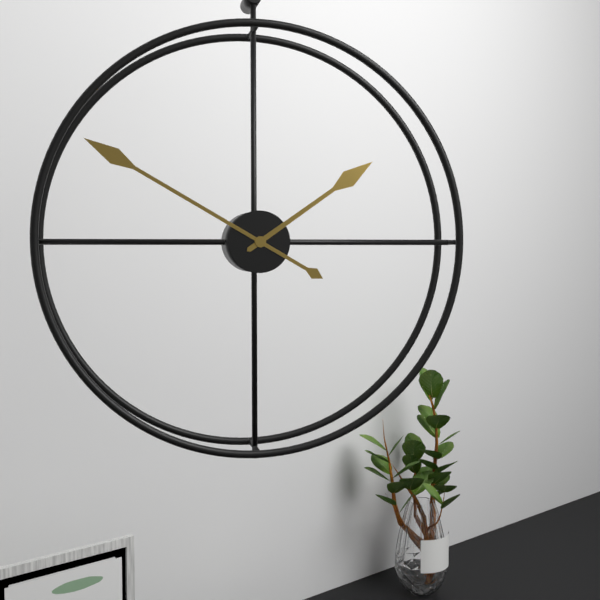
1:50
